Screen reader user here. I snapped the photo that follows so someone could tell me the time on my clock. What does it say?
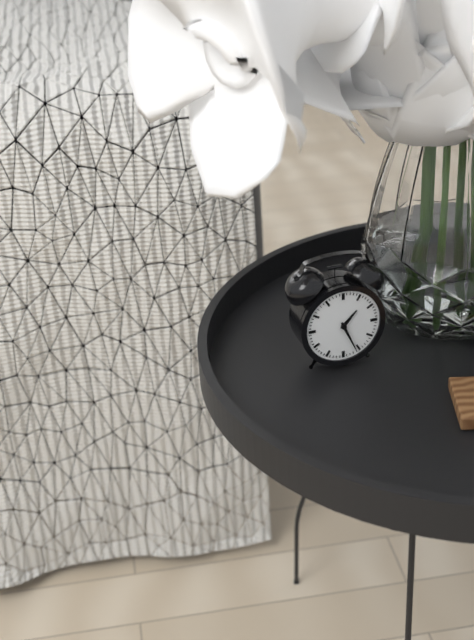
1:26
